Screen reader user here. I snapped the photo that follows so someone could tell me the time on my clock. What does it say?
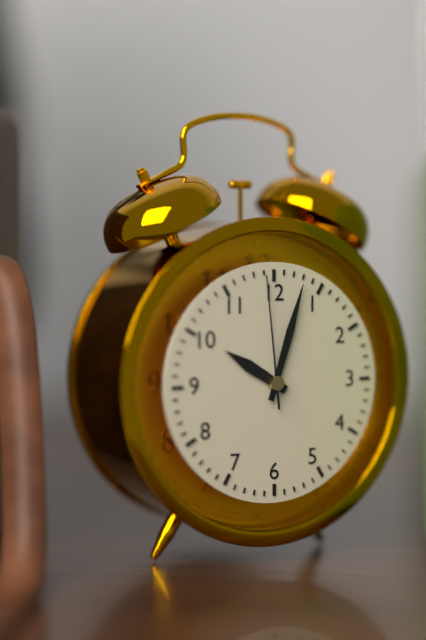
10:03:59
